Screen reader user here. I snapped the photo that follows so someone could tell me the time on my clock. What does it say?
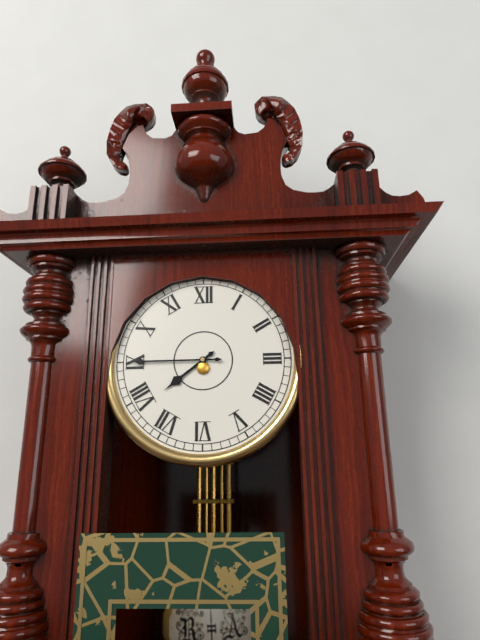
7:45
